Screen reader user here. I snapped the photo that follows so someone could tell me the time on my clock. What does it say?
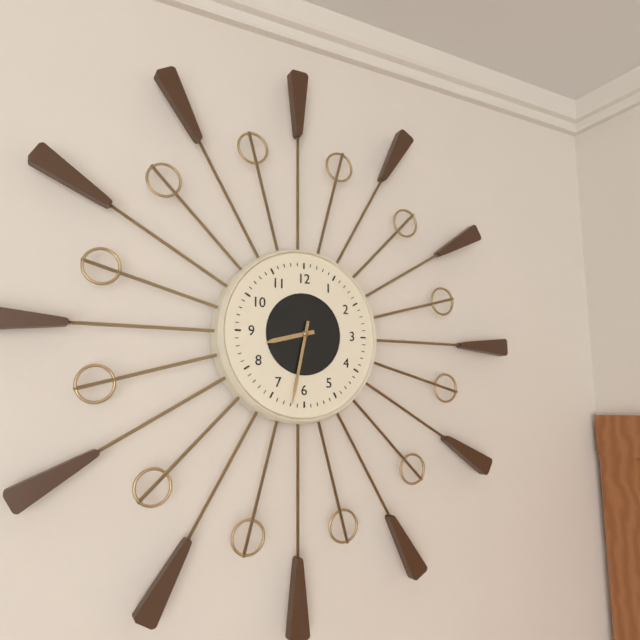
8:32
